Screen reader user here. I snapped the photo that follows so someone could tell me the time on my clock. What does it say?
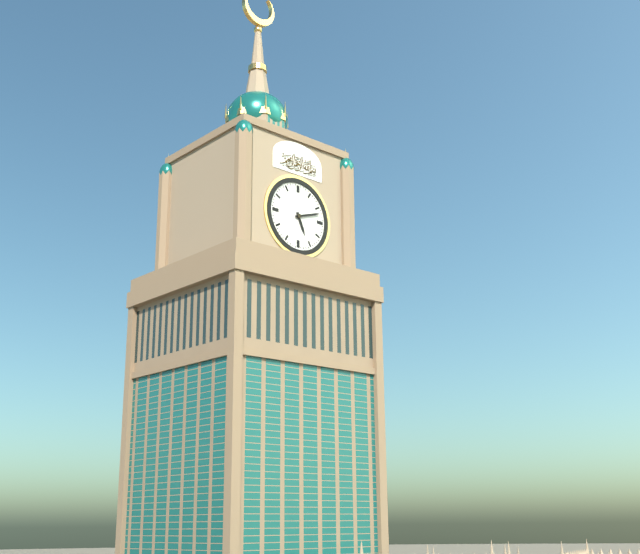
5:12
